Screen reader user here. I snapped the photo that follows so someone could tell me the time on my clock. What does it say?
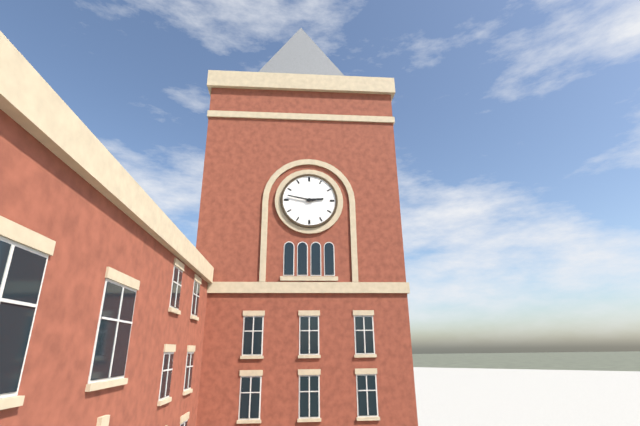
2:47
